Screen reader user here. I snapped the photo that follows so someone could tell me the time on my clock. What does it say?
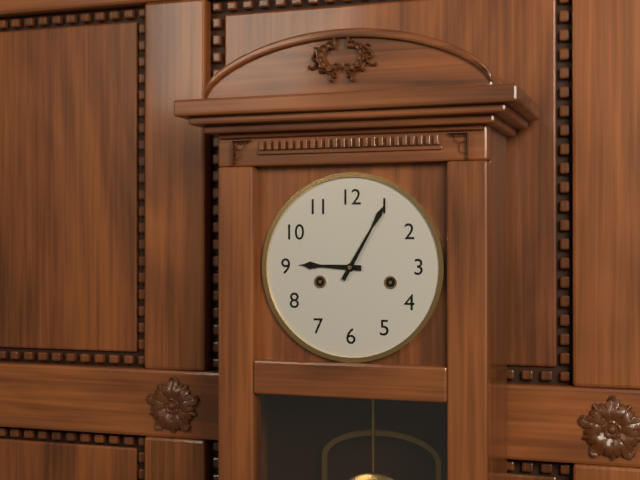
9:05
